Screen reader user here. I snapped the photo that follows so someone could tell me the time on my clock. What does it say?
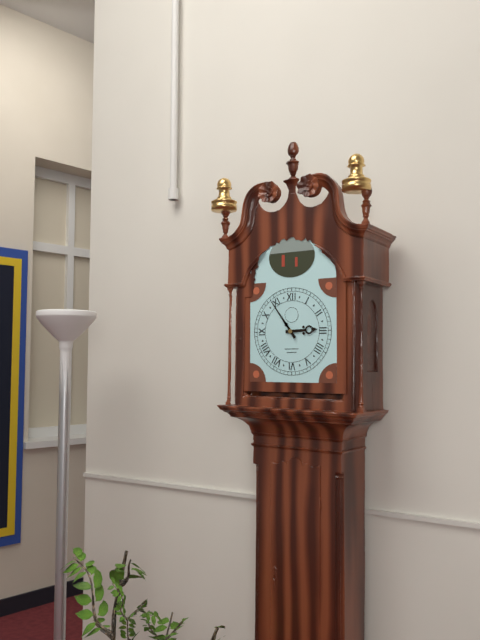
2:54
